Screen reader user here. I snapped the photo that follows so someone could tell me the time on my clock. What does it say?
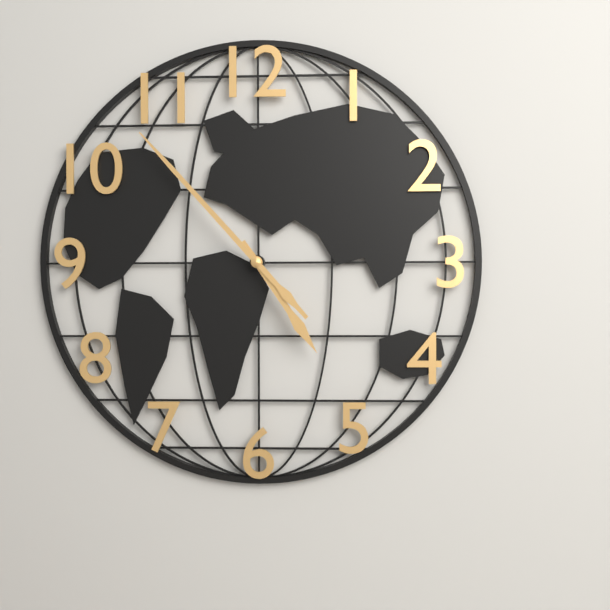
4:53
